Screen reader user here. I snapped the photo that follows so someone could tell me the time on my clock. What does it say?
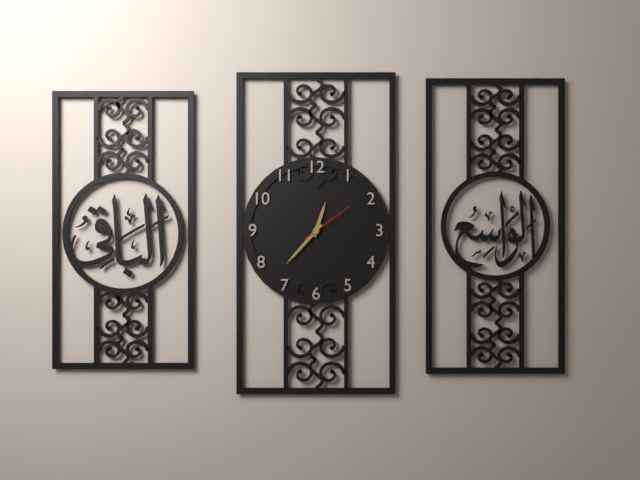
12:37:09
